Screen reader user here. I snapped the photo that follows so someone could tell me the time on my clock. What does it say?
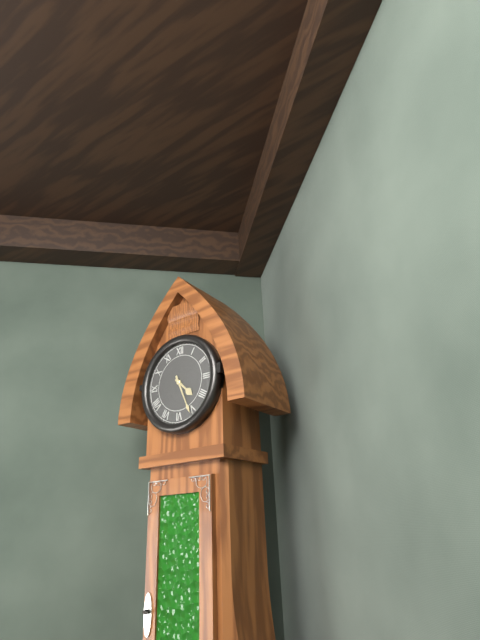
4:26
